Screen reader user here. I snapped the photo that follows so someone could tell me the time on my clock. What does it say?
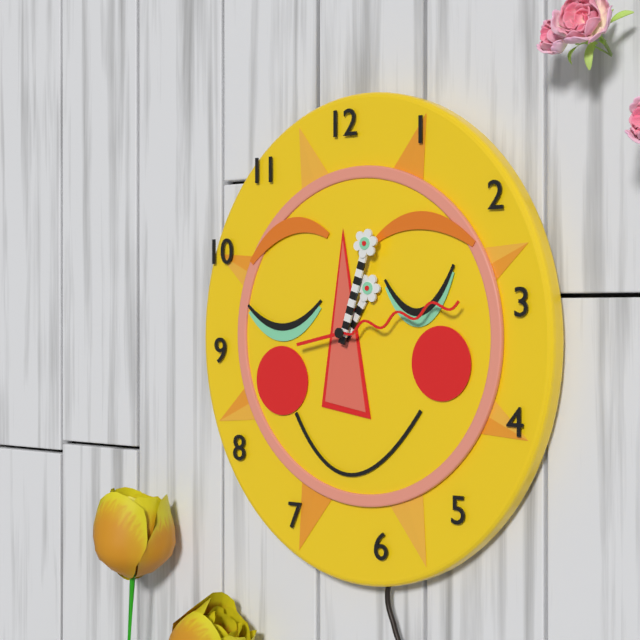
1:03:13
